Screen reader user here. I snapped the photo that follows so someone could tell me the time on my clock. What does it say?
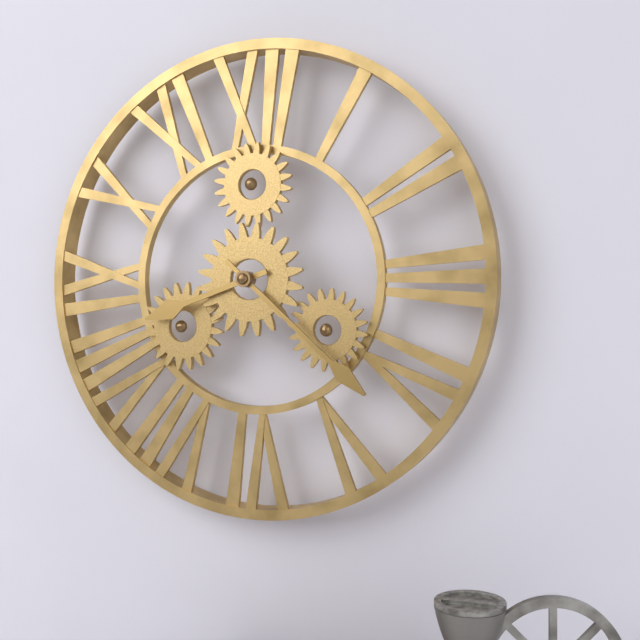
8:22
